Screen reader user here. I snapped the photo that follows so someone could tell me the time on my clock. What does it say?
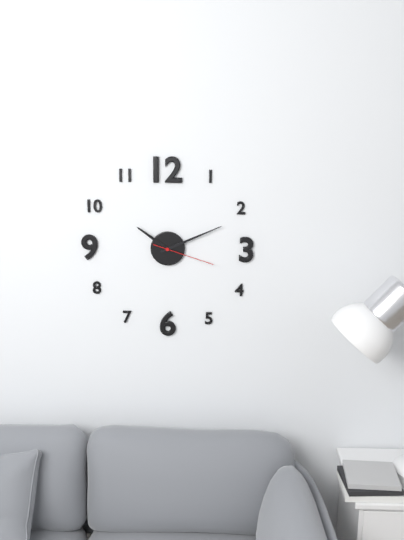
10:11:18
